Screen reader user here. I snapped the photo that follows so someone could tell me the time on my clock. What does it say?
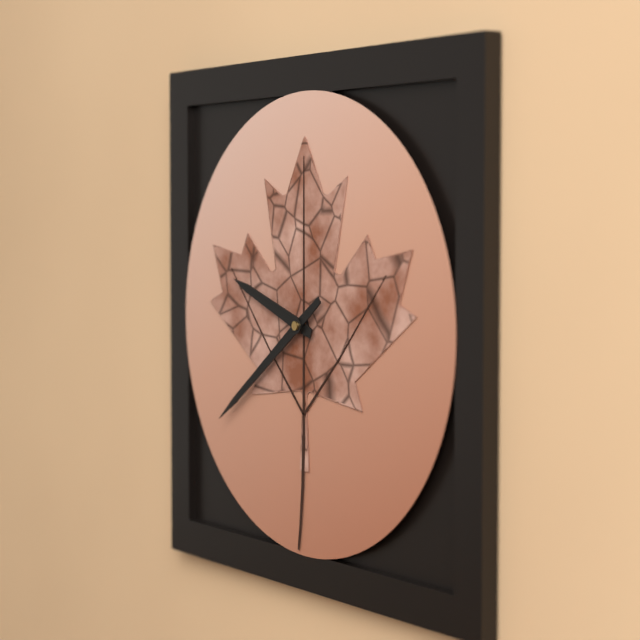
9:39
